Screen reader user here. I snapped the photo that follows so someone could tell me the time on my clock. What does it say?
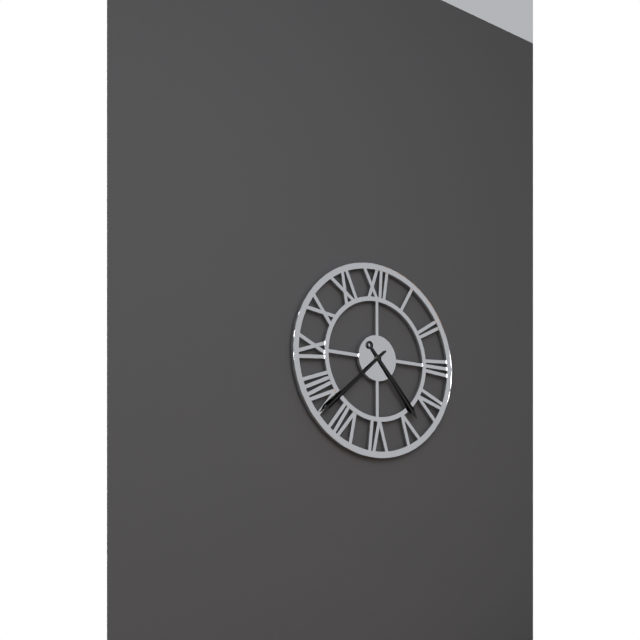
4:38
